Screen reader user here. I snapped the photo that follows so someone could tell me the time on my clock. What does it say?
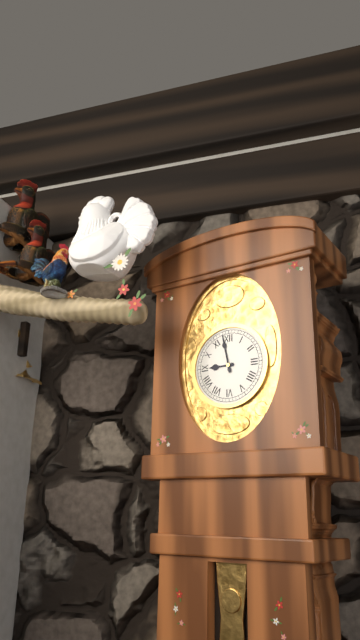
8:58
